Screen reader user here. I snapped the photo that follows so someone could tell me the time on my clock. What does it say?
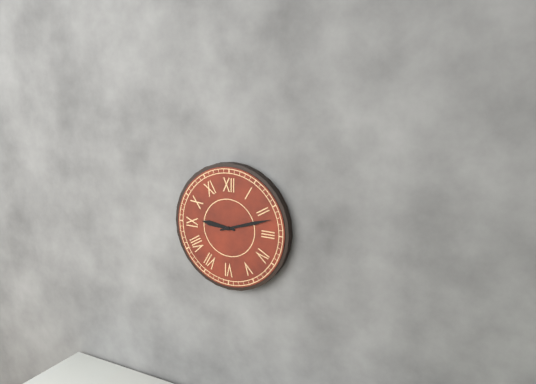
9:12
